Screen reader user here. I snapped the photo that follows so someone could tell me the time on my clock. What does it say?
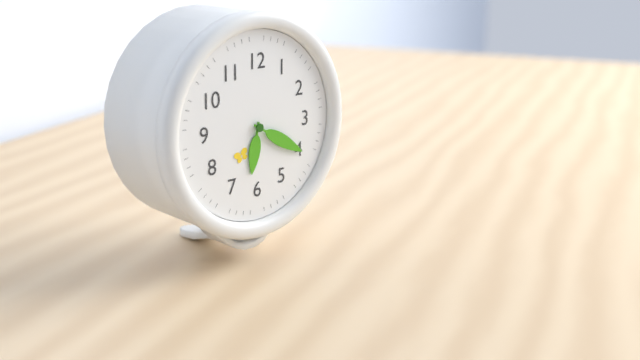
6:20
